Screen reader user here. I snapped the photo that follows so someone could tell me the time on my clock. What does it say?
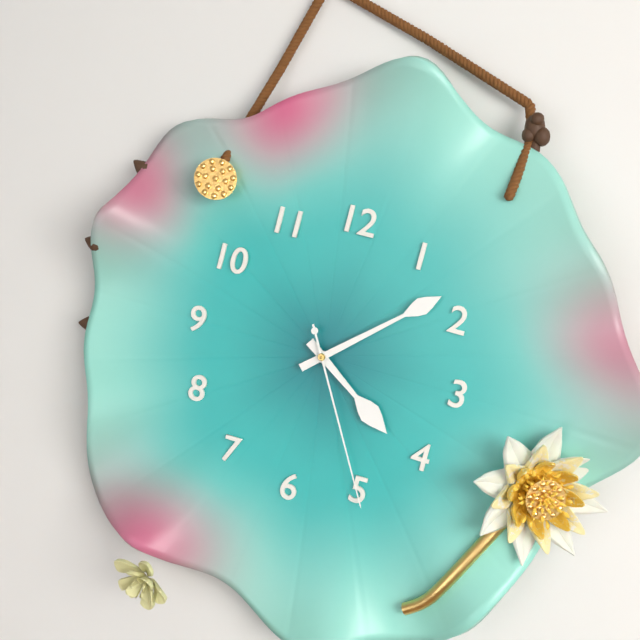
4:08:25
